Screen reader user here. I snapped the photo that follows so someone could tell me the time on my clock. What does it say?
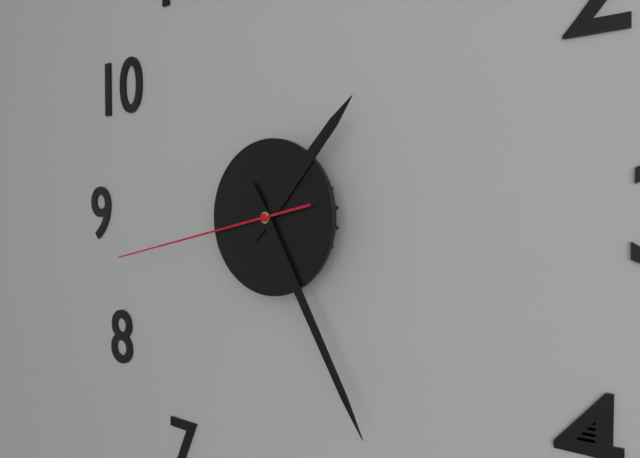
1:25:43
